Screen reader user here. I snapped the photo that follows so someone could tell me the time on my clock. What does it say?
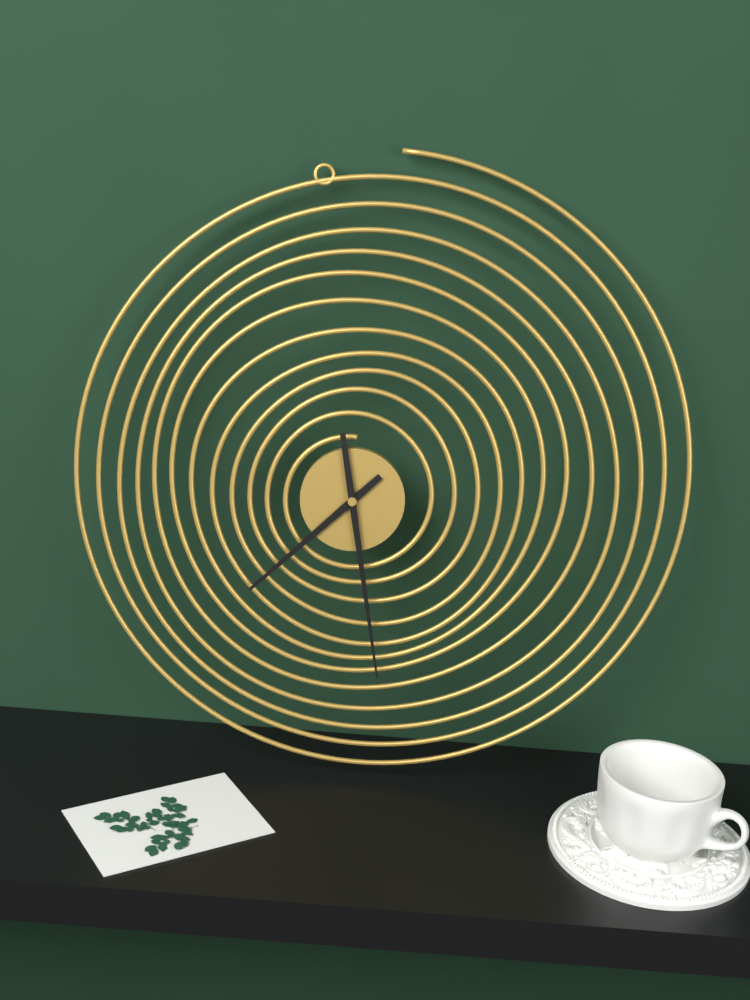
7:28
